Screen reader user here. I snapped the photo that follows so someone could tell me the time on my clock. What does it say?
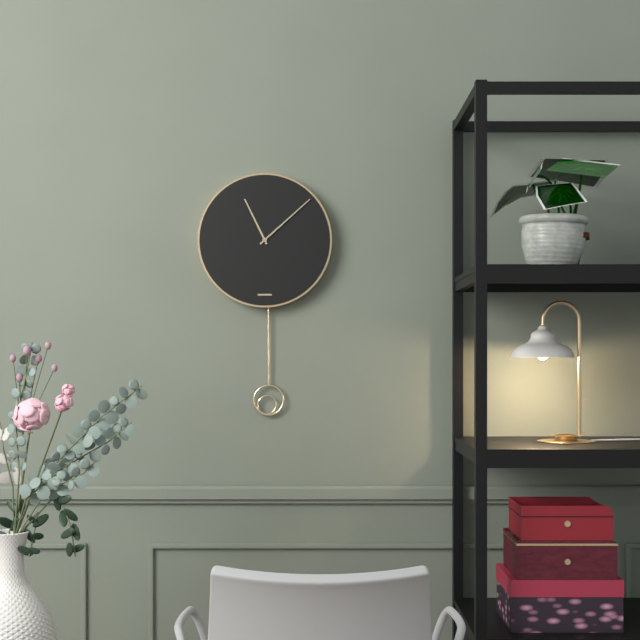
11:08
